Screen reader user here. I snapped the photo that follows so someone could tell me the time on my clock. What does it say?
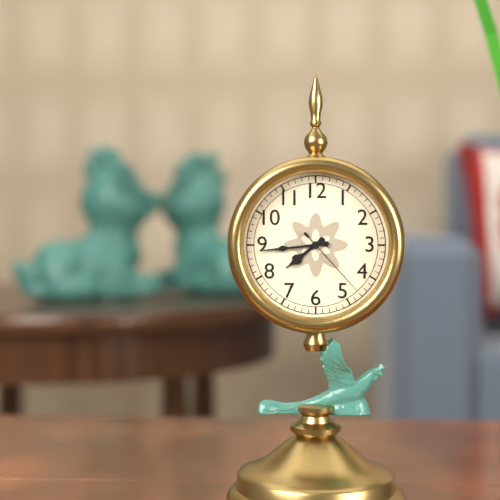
7:44:23
